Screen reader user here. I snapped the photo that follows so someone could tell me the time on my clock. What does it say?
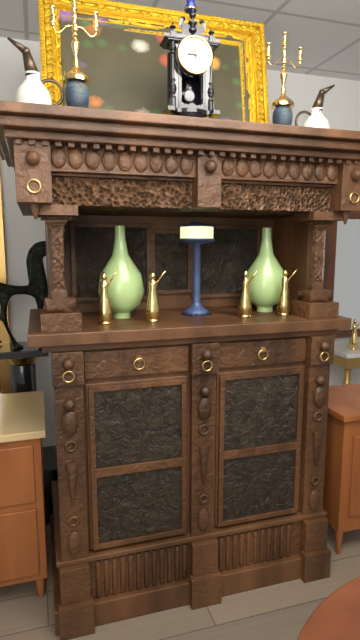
8:58
